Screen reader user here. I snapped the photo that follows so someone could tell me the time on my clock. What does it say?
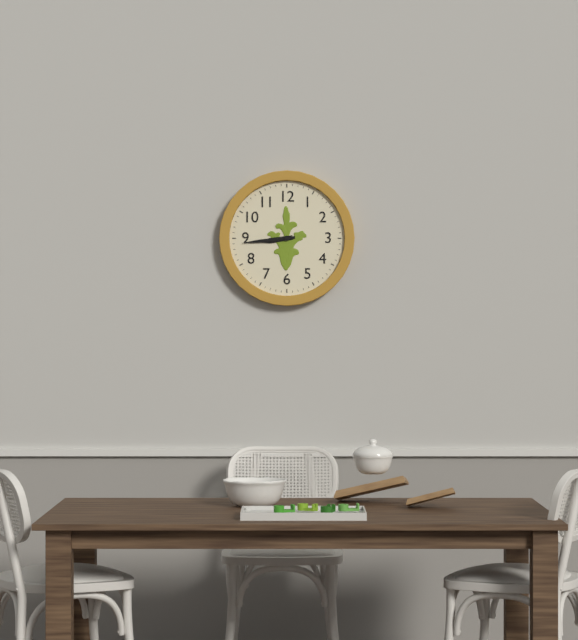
8:44
